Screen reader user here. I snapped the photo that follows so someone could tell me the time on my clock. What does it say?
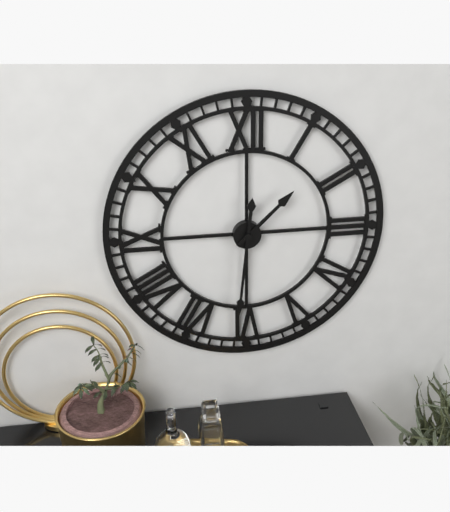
1:31
